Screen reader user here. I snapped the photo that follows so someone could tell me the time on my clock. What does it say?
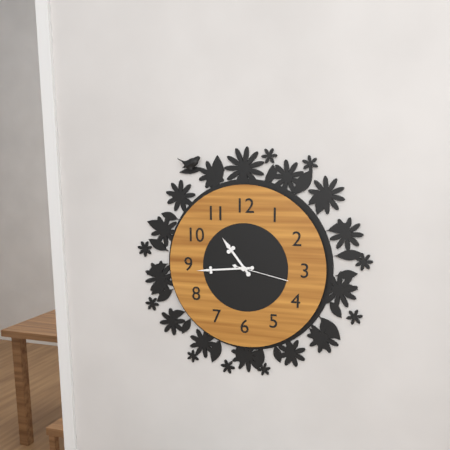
10:44:17
